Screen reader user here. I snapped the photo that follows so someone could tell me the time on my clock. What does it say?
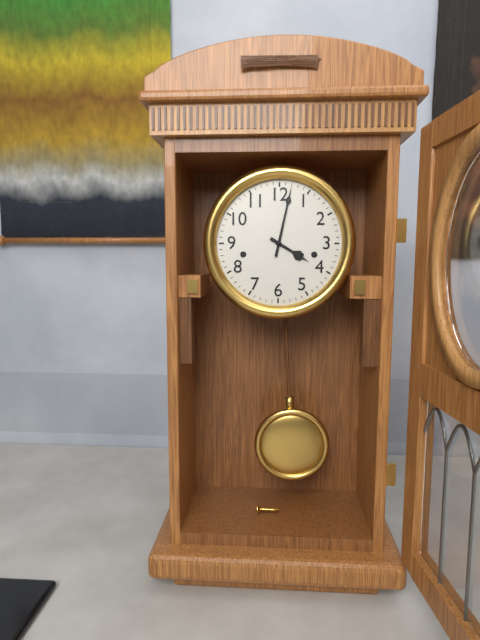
4:02
